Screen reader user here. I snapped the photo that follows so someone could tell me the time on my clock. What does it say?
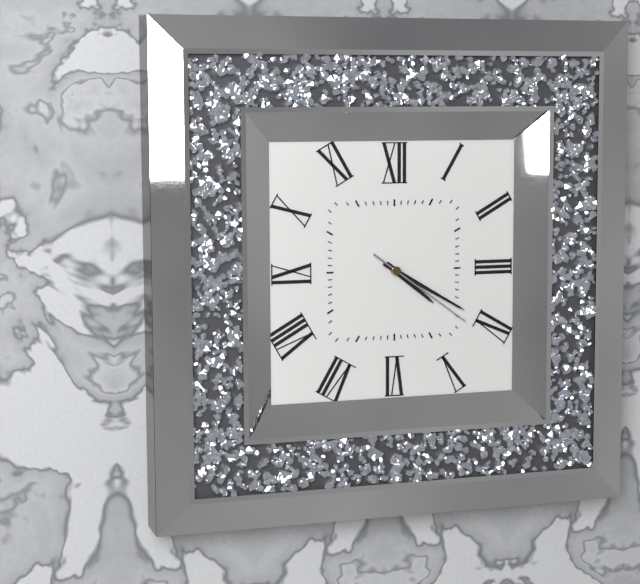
4:20:21
